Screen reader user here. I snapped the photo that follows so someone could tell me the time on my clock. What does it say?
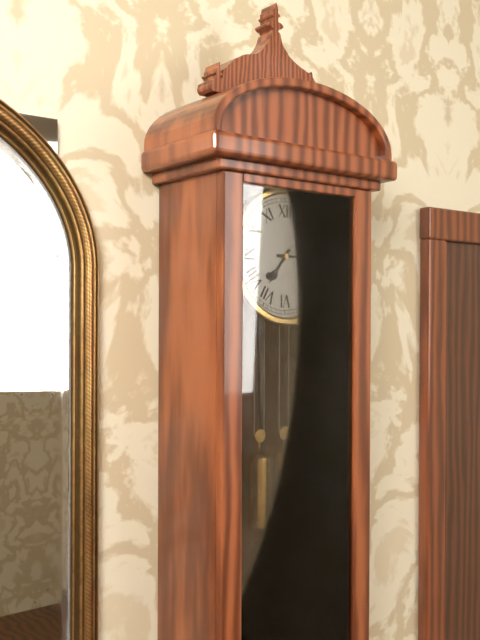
7:15
